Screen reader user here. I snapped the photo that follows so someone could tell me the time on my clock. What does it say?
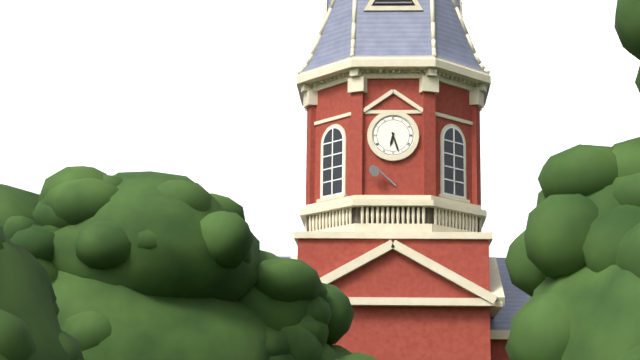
6:27
